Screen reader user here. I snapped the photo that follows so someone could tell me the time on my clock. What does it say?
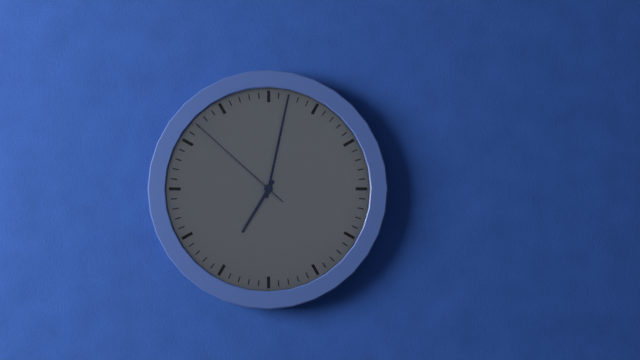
7:02:52
